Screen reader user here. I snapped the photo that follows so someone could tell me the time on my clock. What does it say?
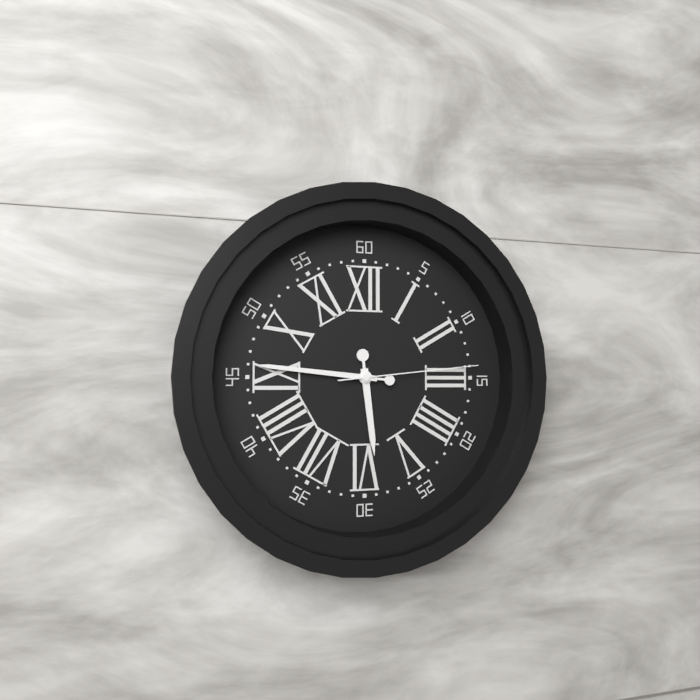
5:46:14
